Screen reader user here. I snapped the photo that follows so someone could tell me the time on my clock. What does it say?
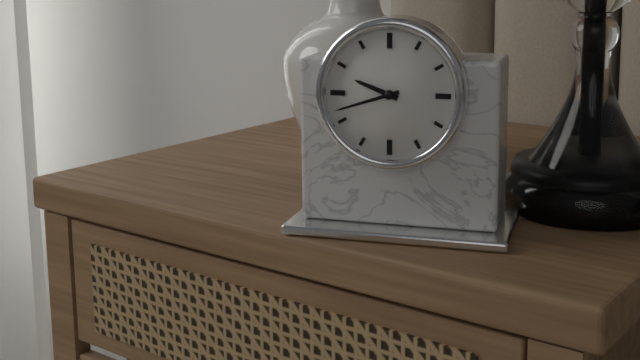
9:42
